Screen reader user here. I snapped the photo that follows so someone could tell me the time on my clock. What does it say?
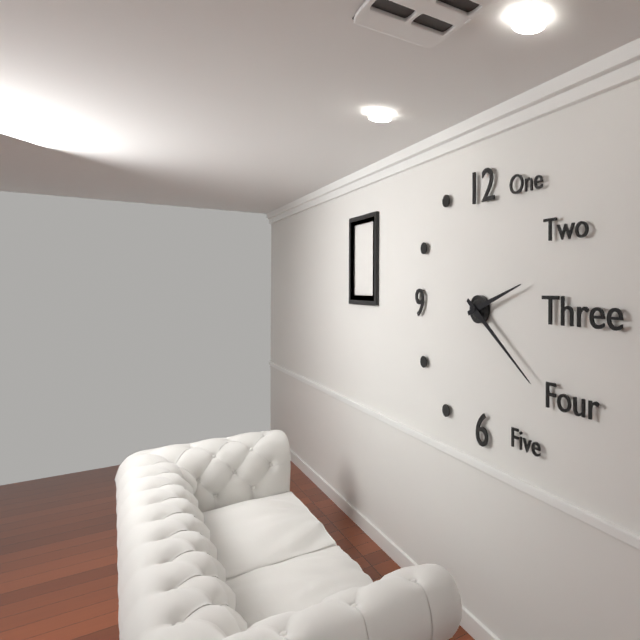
2:21
